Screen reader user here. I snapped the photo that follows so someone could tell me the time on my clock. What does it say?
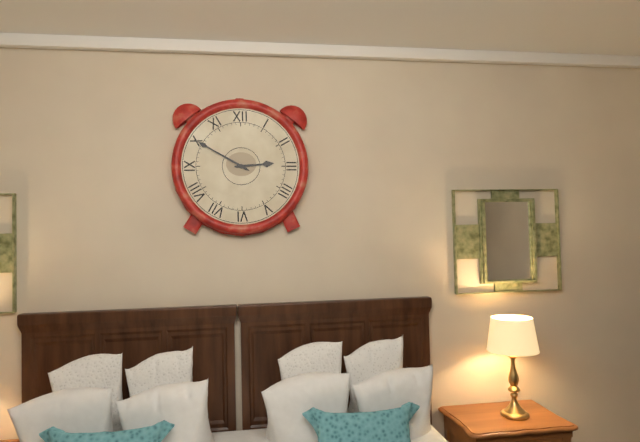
2:50
